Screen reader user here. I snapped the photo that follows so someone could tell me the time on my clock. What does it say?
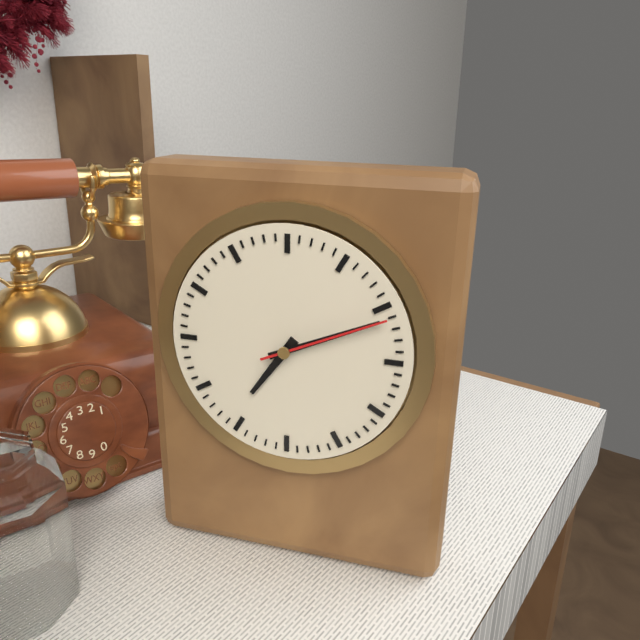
7:11:11
